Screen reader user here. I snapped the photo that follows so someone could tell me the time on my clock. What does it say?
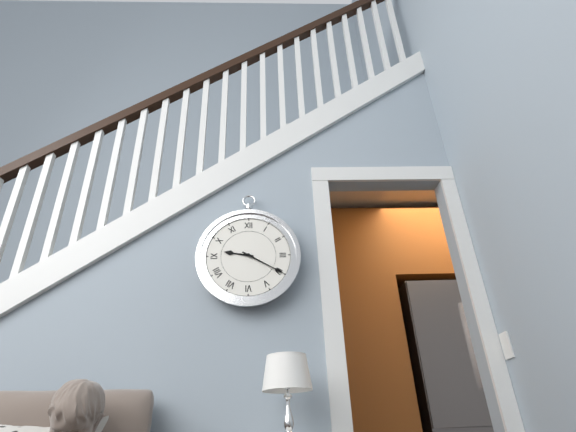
9:20
